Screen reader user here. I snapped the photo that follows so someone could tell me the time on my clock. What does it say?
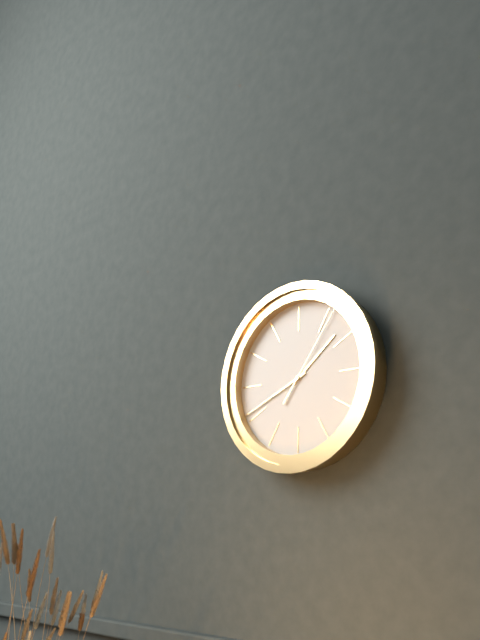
1:41:06
